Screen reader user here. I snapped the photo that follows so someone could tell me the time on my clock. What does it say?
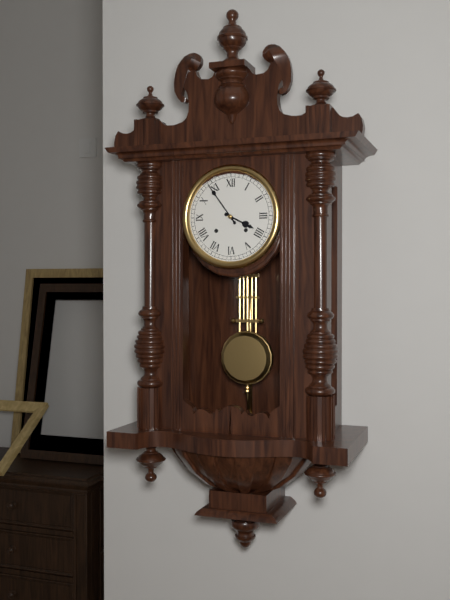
3:54
